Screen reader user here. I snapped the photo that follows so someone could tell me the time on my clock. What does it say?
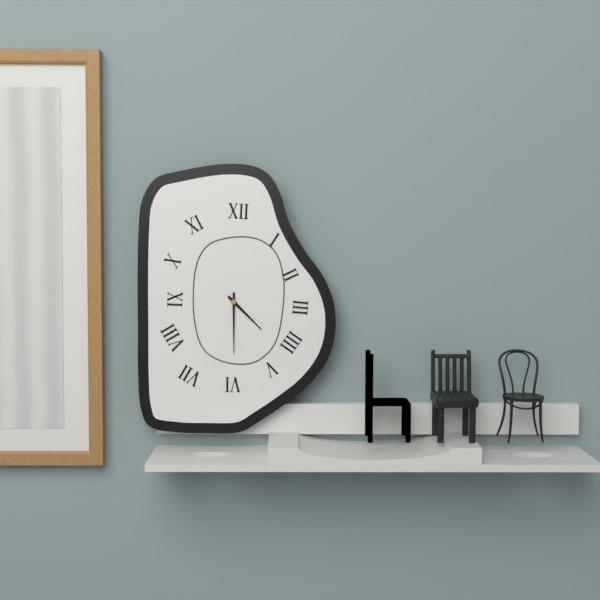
4:30
